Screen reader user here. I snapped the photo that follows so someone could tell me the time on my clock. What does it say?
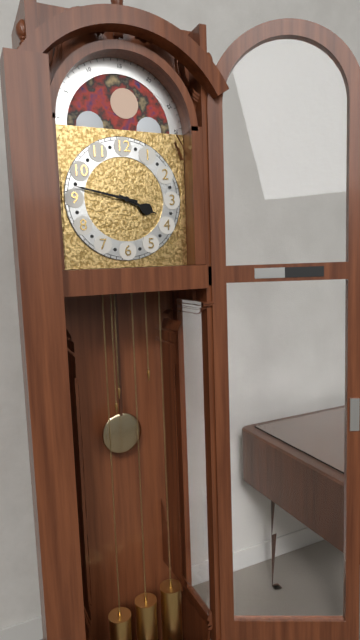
3:47
